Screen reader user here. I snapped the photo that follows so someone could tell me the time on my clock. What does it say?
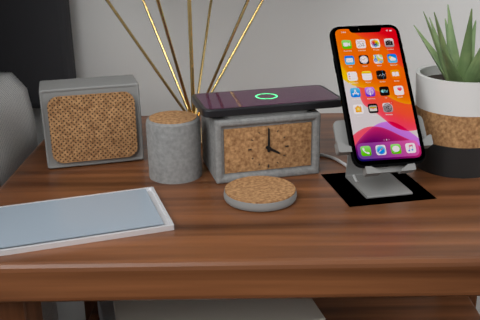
4:00
